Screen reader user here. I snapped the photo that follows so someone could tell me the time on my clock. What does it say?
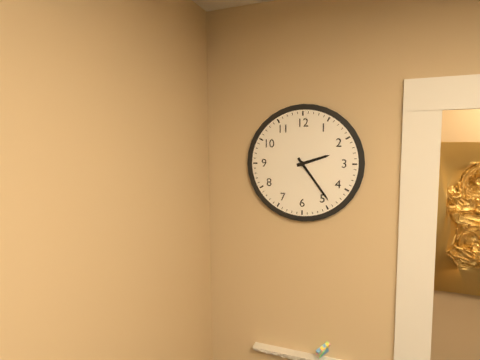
2:24
